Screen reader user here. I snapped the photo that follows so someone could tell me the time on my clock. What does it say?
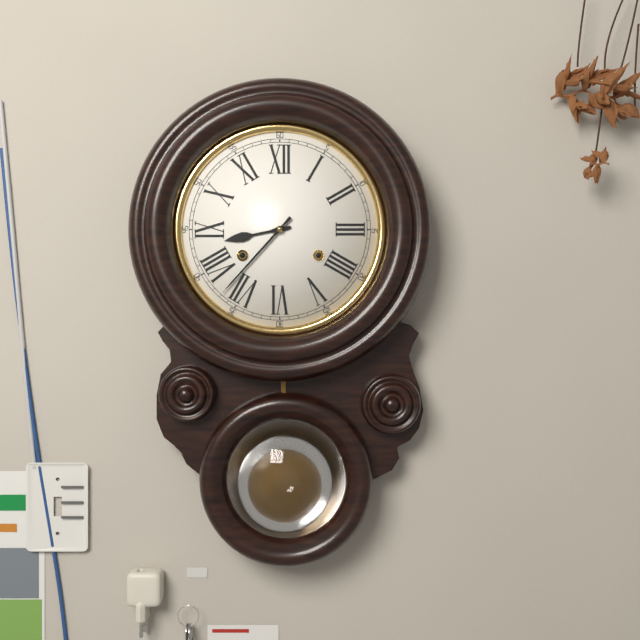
8:37
